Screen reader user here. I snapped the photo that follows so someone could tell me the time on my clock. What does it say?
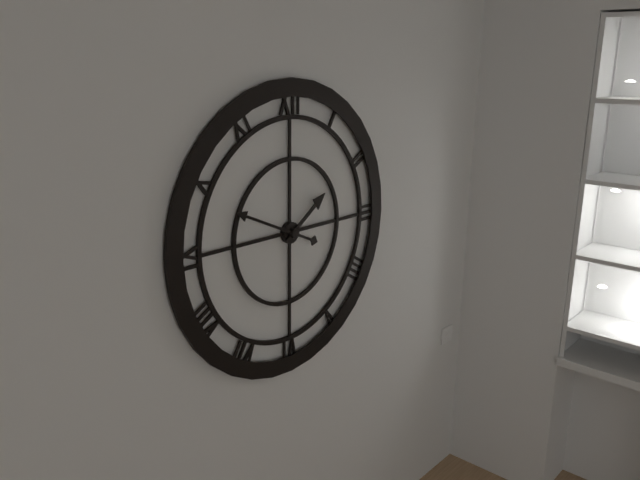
1:49
